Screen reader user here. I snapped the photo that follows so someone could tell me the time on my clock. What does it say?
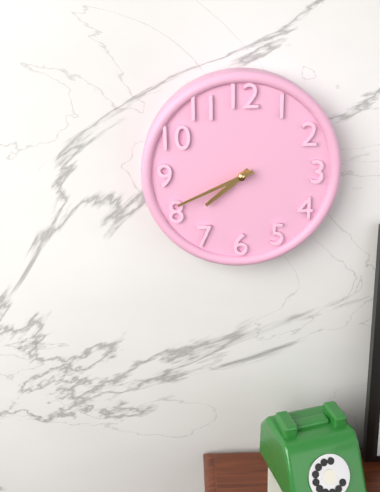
7:41
